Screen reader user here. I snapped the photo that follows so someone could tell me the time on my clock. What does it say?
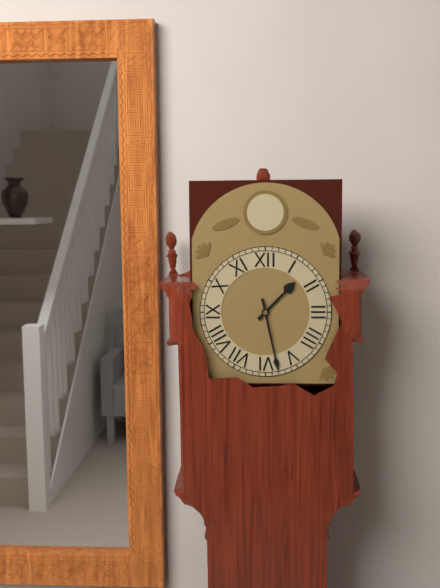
1:28
